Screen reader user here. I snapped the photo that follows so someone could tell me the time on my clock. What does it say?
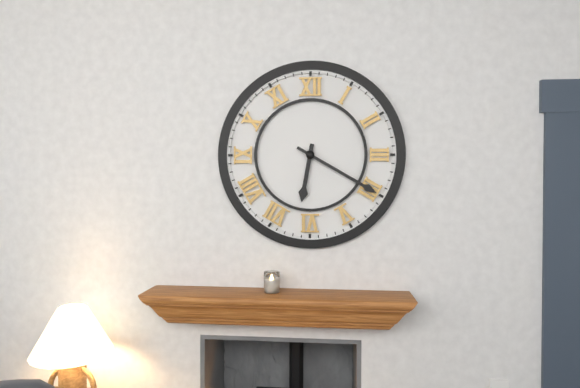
6:20
